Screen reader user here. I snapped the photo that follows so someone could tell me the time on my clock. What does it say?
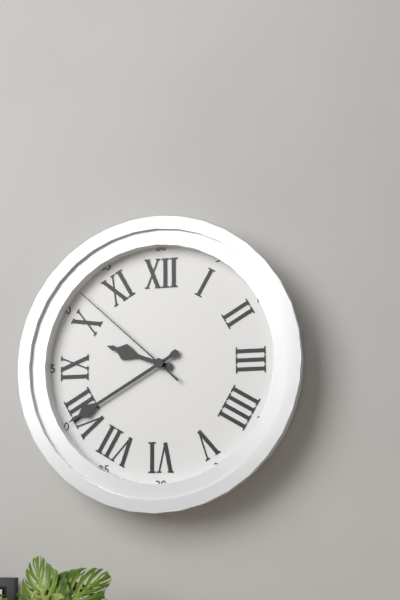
9:40:52
